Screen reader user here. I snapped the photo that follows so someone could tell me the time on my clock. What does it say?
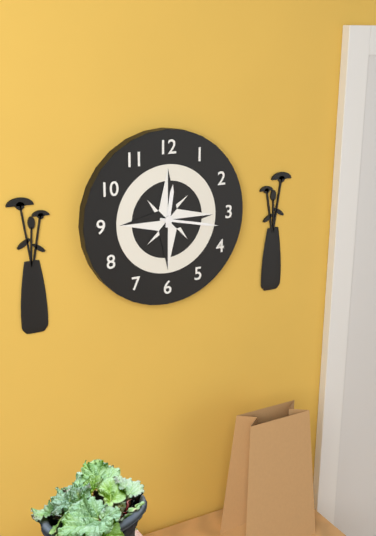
12:17
